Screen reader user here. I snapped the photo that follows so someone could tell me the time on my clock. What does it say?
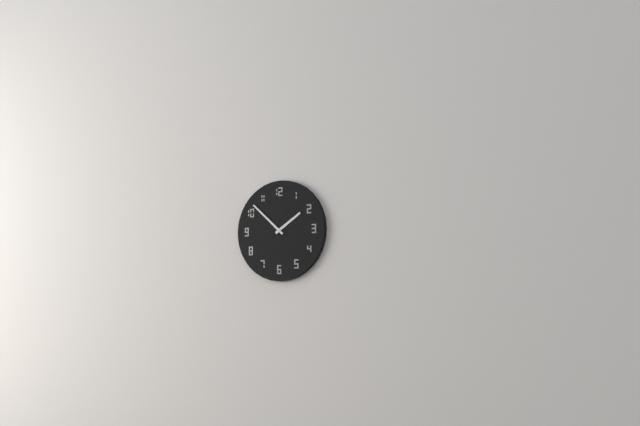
1:52
